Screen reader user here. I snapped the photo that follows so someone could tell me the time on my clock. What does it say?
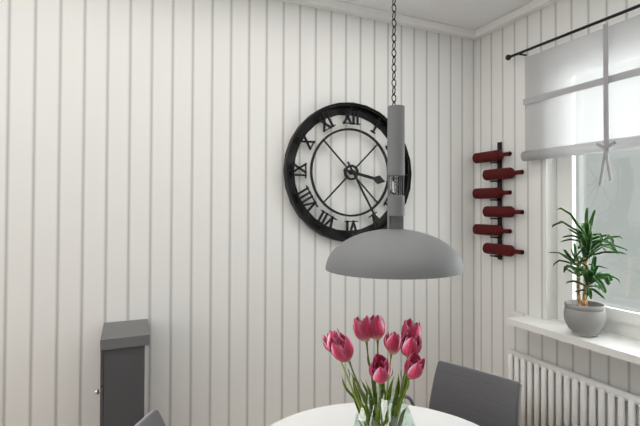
3:25
